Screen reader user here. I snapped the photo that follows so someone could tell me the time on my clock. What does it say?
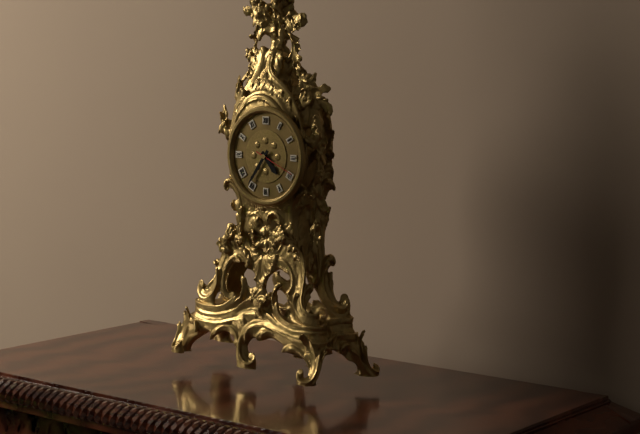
4:36
